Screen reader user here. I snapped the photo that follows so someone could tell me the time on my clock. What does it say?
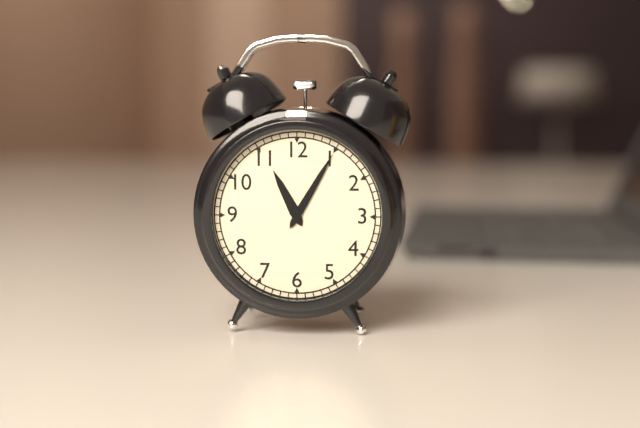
11:05
